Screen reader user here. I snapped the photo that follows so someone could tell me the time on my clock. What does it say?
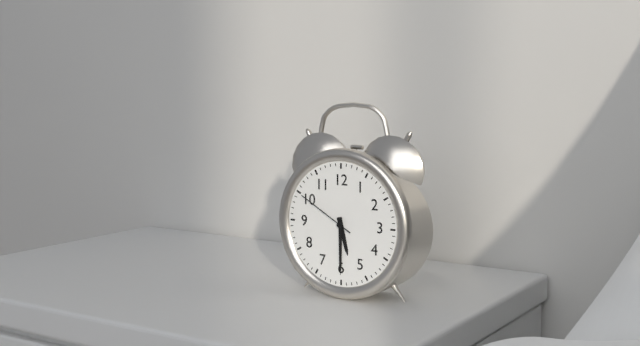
5:30:50
